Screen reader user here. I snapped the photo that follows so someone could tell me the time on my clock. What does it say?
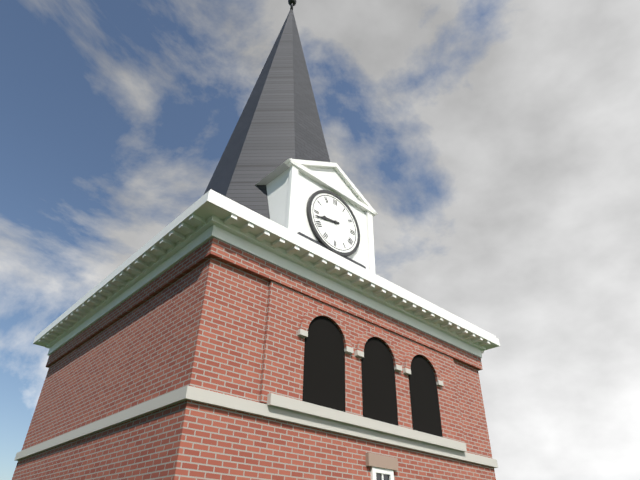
8:43
